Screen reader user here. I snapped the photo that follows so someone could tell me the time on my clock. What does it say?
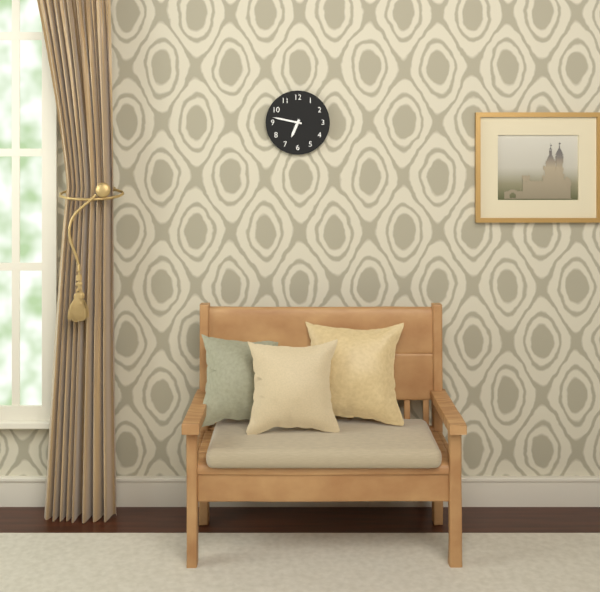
6:47
